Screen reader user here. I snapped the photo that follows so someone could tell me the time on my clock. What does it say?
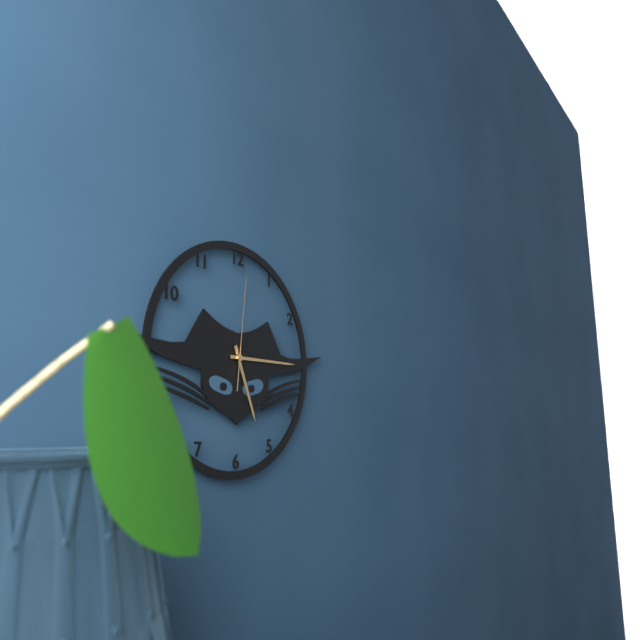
5:15:01
